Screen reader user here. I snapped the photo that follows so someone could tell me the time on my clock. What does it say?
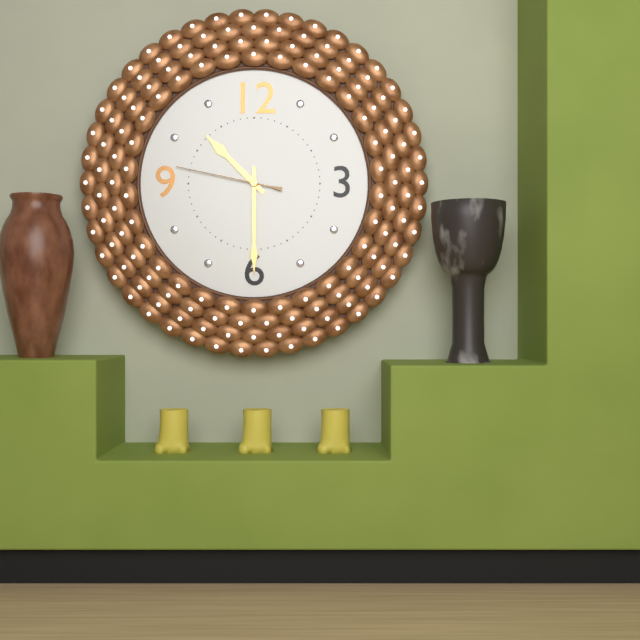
10:30:47
